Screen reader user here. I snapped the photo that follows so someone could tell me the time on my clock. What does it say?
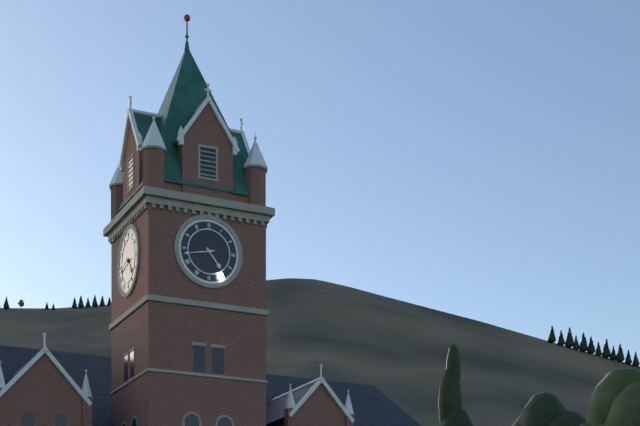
4:43
